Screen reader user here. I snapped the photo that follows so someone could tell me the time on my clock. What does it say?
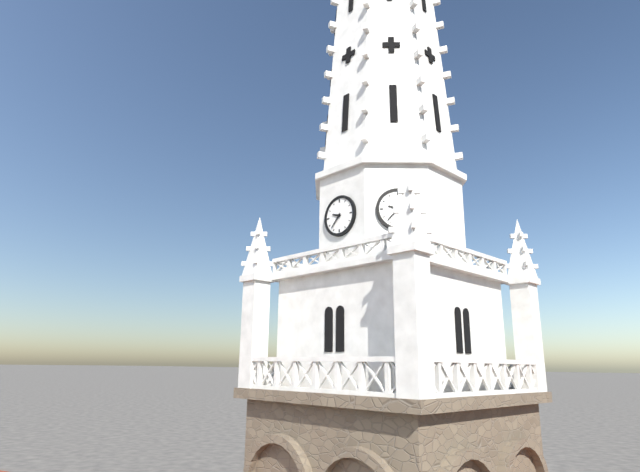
9:37
